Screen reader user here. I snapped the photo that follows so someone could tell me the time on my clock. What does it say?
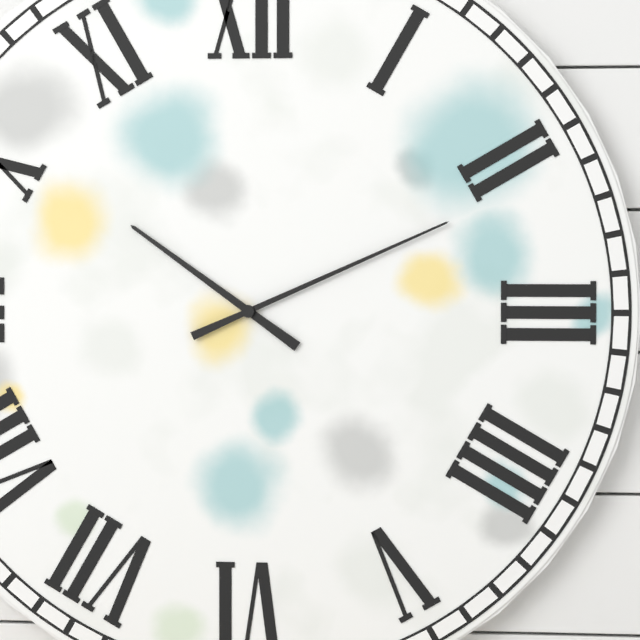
10:11
